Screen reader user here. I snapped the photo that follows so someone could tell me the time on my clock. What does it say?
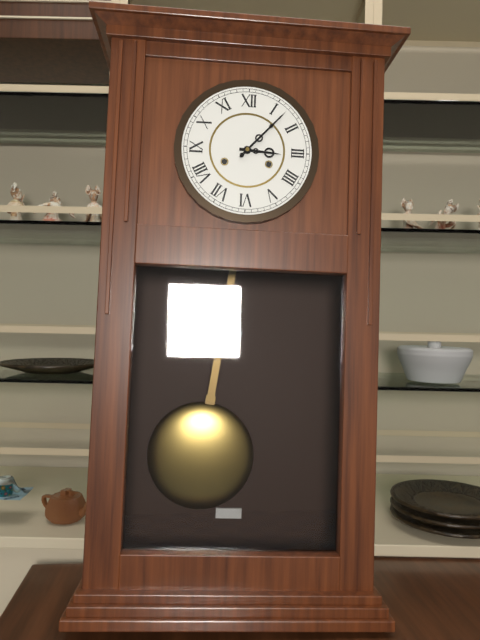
3:07
